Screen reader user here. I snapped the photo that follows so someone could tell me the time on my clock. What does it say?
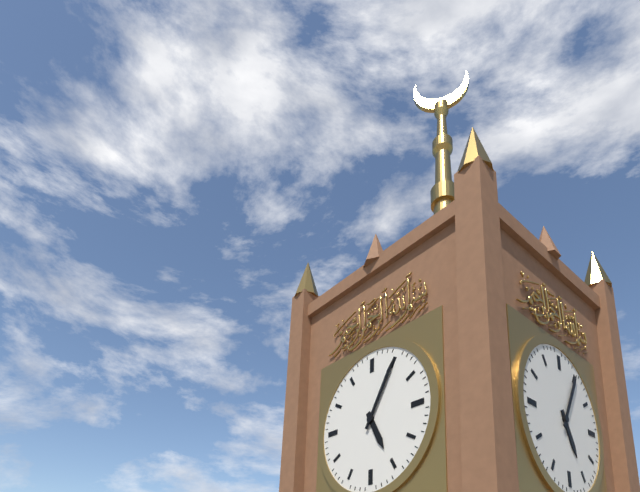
5:05
